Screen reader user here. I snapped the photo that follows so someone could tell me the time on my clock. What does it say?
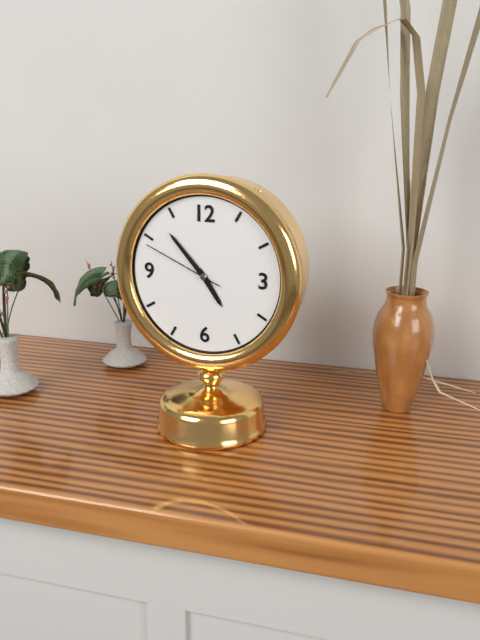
4:53:49
